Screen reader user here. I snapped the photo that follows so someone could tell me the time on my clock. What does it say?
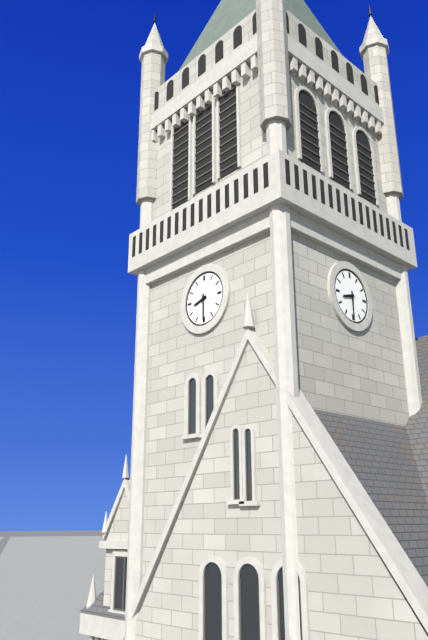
8:30
